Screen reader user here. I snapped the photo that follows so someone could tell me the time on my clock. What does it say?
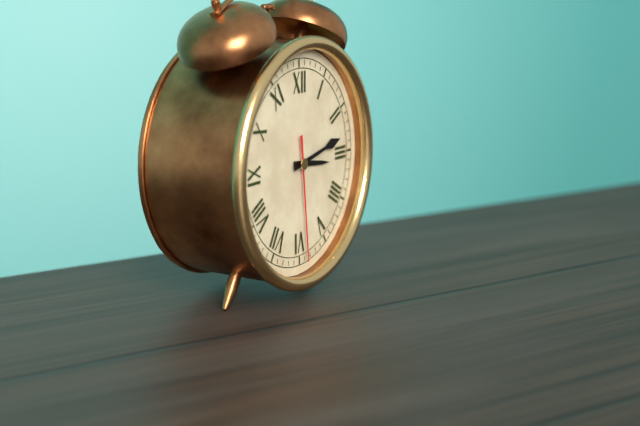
3:13:29
